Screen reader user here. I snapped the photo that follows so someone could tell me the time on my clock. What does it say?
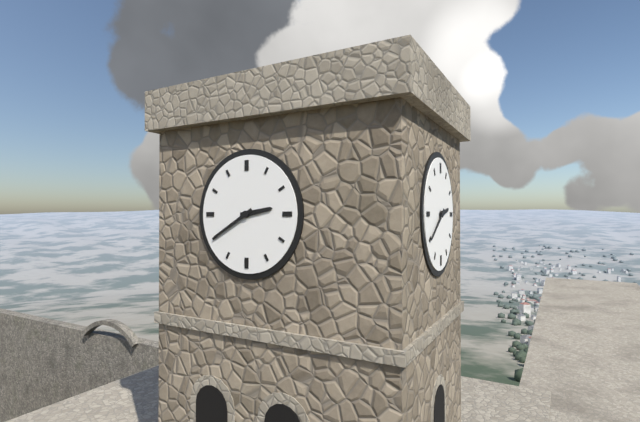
2:40
